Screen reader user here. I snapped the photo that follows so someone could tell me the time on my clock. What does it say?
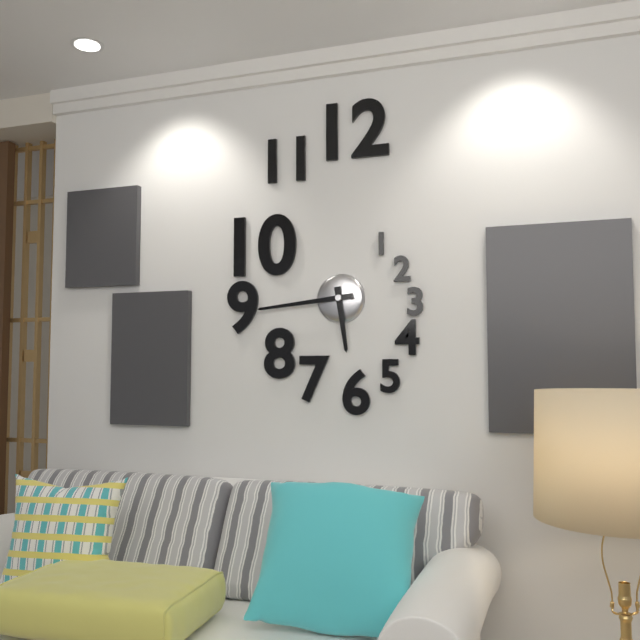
5:44
